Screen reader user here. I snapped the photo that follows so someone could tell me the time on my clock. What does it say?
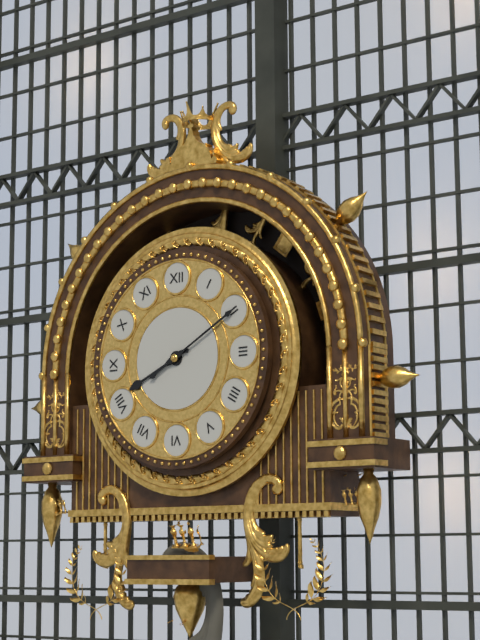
8:10
